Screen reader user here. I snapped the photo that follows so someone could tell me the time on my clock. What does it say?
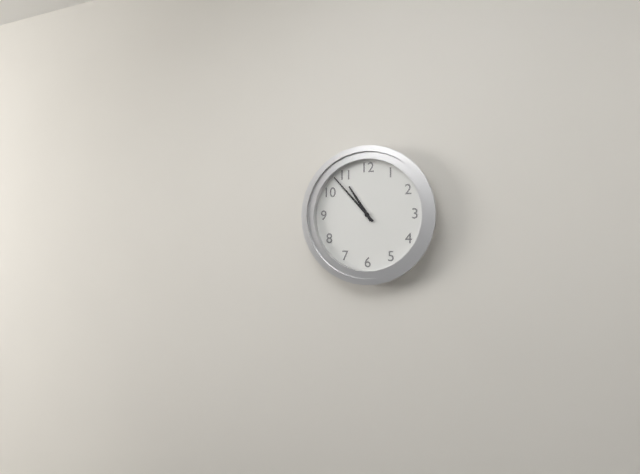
10:53
